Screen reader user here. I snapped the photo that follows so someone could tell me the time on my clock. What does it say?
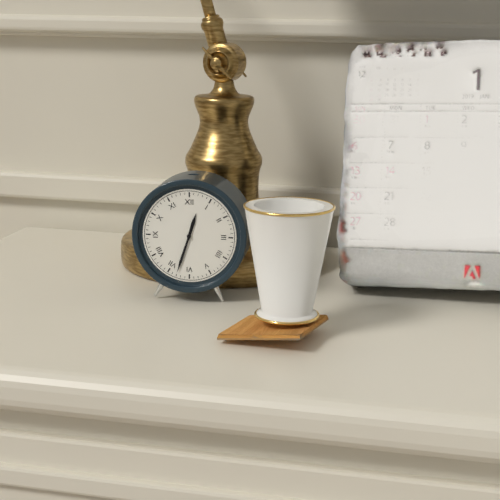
12:33
